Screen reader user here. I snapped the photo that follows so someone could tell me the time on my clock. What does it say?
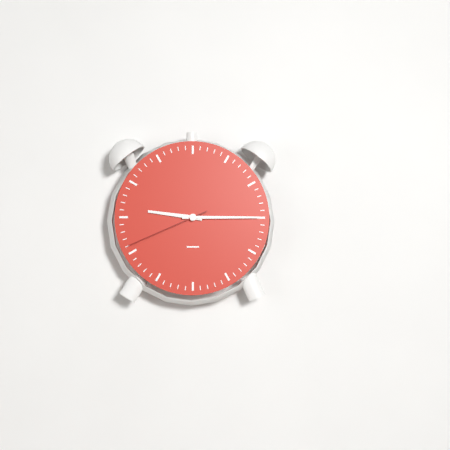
9:15:41
